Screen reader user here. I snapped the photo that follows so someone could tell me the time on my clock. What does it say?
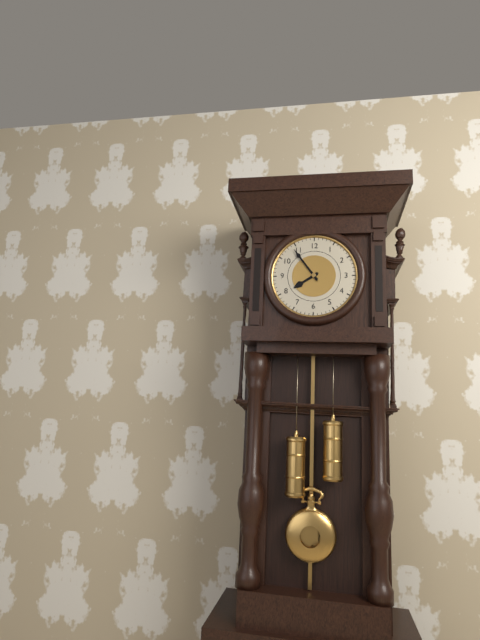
7:54
